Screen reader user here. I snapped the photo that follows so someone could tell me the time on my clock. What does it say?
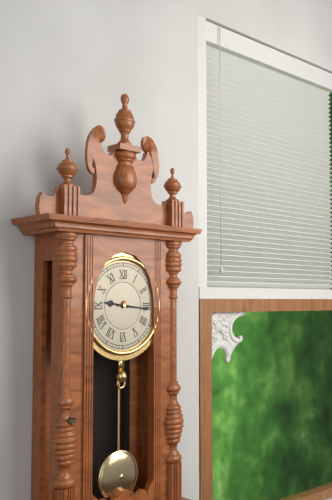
9:16
